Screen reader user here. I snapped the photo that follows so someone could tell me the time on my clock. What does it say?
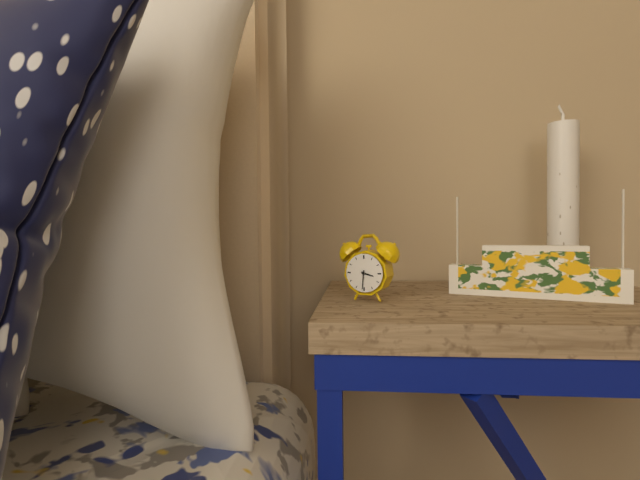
3:31
